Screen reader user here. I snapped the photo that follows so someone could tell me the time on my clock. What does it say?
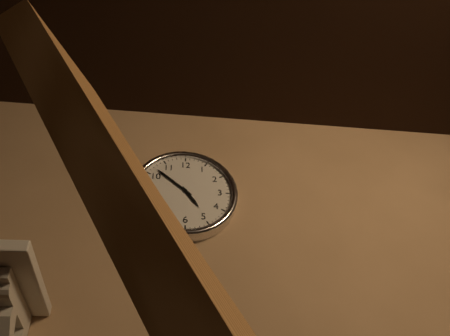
4:52
